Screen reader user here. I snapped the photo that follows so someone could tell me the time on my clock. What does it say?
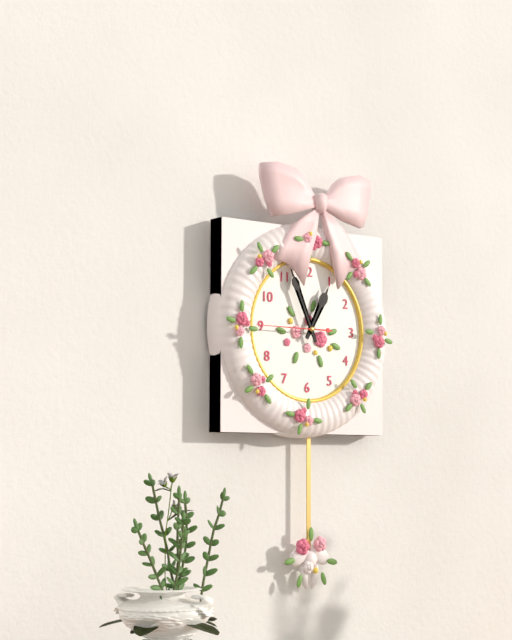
12:56:45
